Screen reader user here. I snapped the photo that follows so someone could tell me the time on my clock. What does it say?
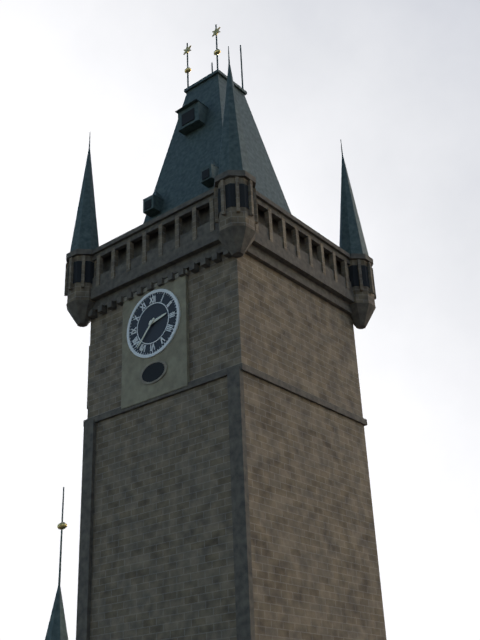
2:37
